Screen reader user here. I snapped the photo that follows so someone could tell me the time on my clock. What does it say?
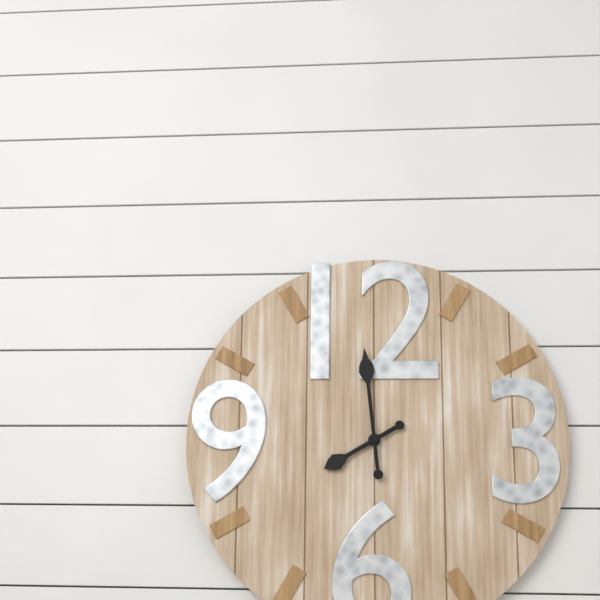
7:59
